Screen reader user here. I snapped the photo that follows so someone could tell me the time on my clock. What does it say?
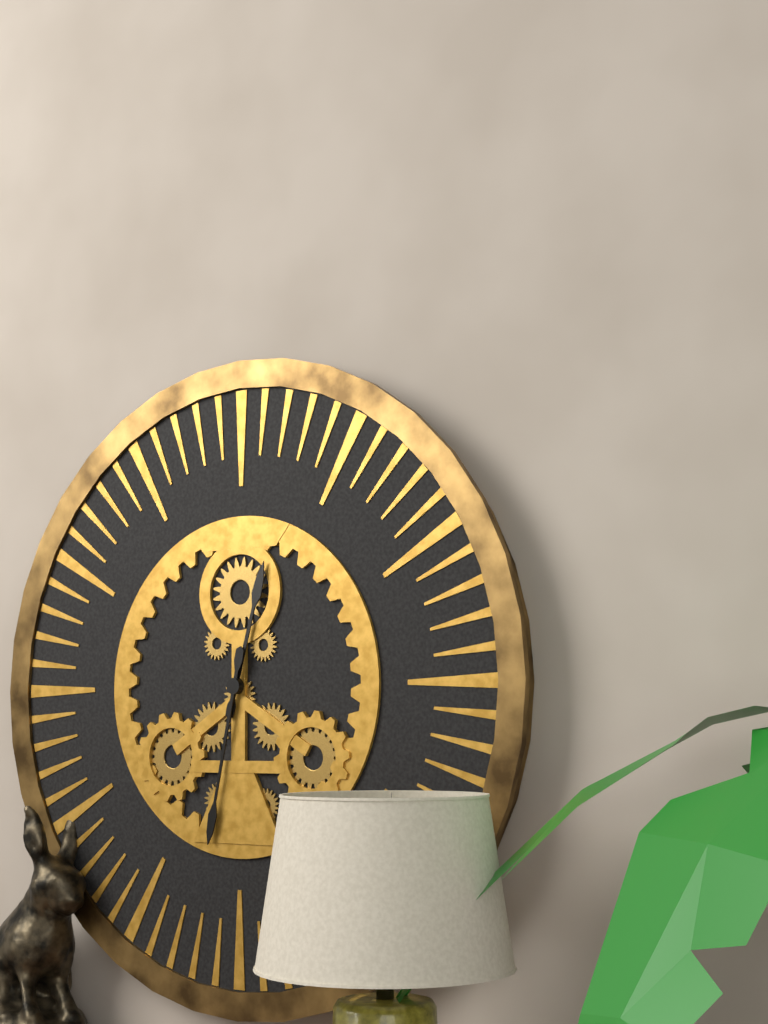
12:32
